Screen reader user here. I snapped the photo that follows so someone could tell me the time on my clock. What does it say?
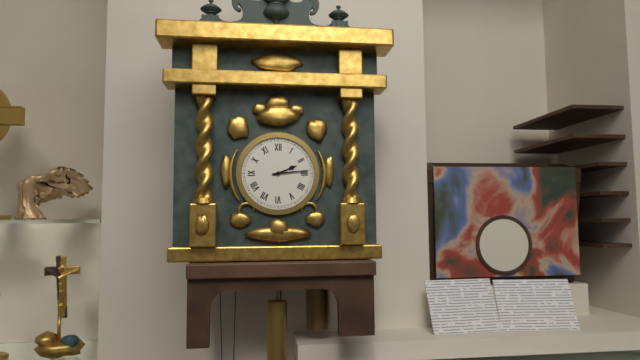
2:14
